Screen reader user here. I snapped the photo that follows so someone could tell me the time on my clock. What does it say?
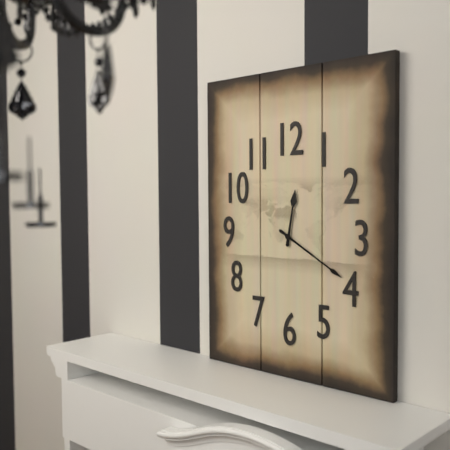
12:20
